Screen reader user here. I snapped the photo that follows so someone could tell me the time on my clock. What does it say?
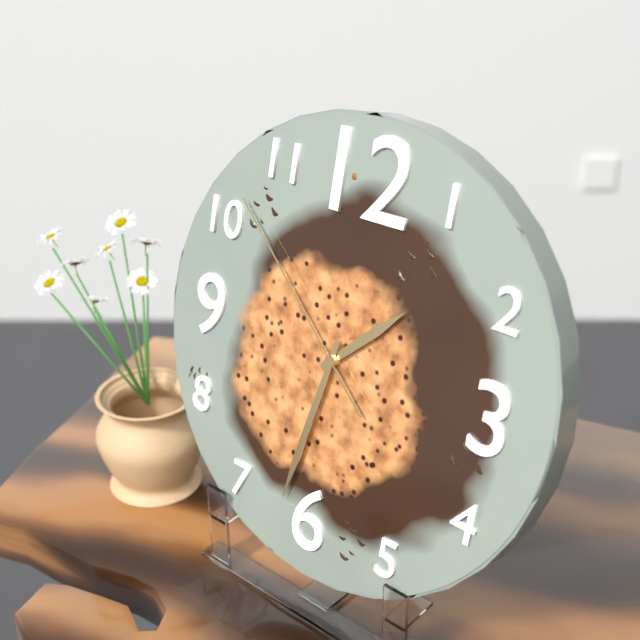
1:32:52
